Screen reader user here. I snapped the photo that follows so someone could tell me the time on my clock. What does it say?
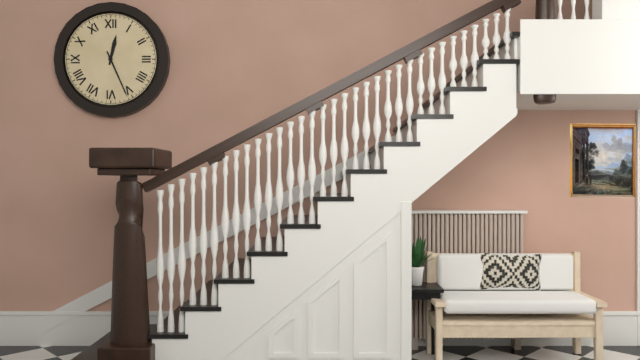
12:26
